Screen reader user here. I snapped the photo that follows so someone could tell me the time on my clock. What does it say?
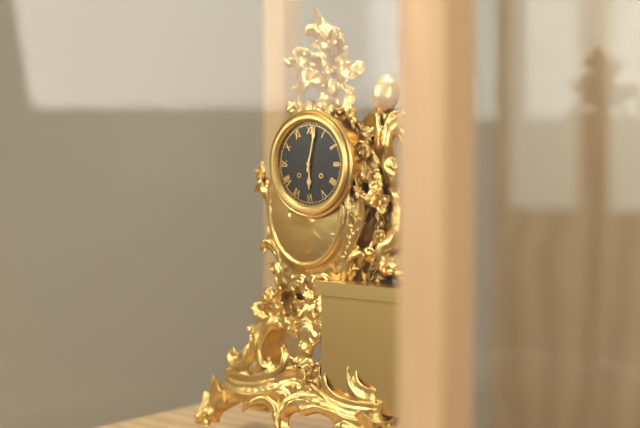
6:02
